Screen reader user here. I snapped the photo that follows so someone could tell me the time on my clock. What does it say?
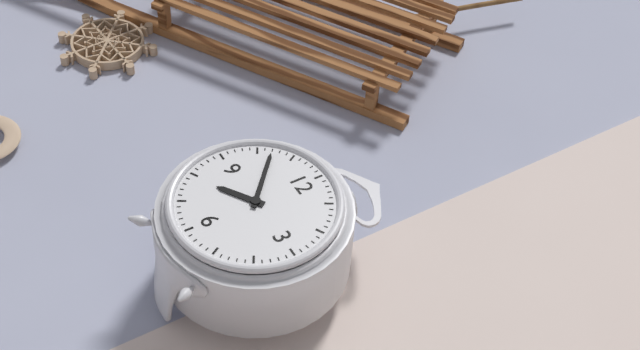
7:52
